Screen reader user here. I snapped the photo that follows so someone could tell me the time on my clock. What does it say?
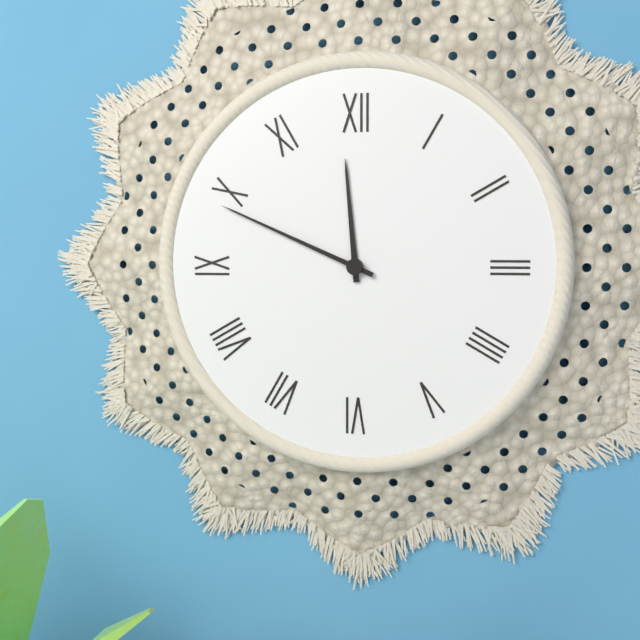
11:49
